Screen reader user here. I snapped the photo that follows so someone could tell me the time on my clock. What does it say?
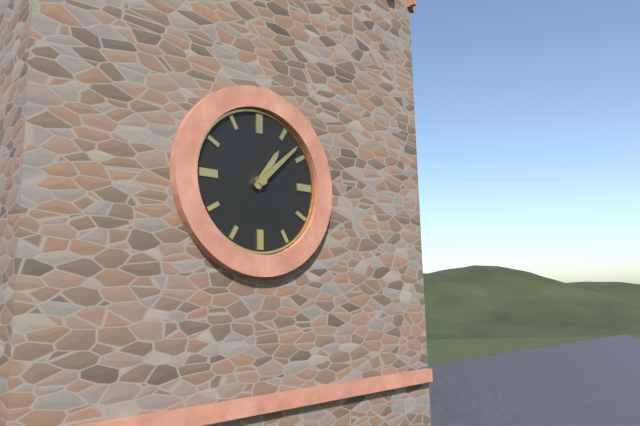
1:08
